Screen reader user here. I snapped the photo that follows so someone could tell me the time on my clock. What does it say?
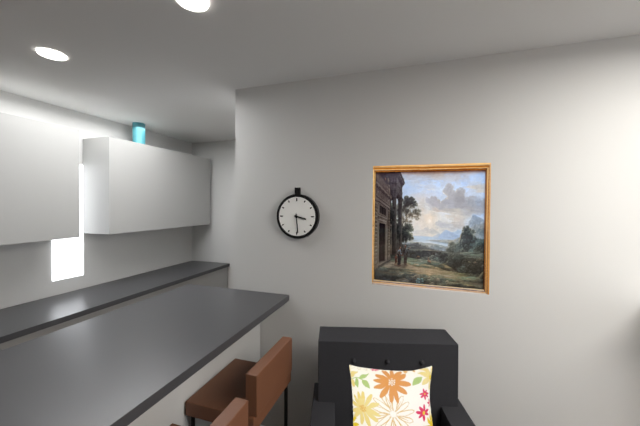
3:29
